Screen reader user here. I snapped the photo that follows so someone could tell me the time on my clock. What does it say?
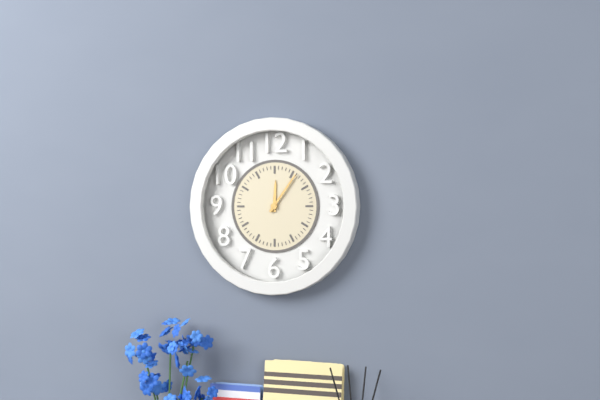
12:06
